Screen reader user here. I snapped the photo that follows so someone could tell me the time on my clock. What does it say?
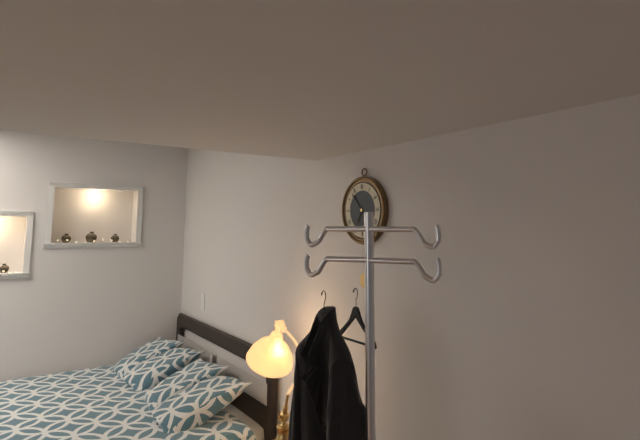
6:53
